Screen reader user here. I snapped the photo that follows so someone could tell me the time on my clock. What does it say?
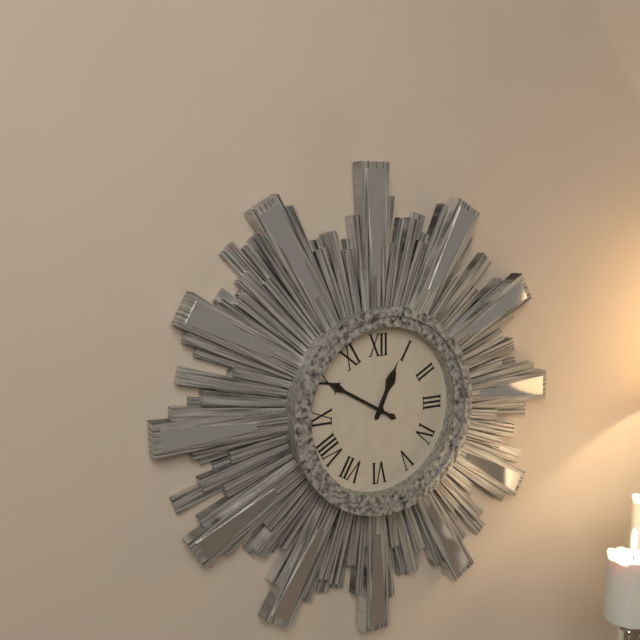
12:50
